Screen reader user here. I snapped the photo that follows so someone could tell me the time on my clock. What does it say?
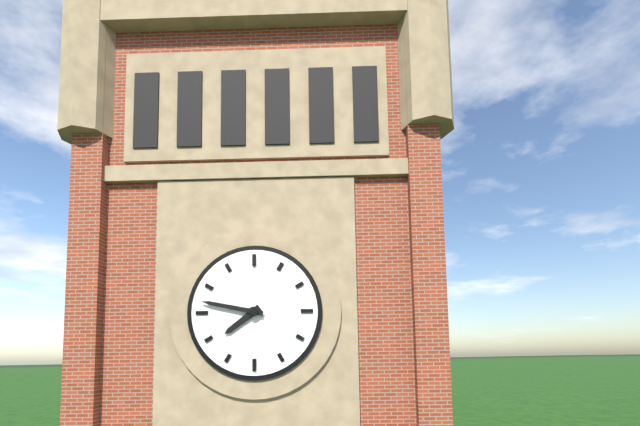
7:47
